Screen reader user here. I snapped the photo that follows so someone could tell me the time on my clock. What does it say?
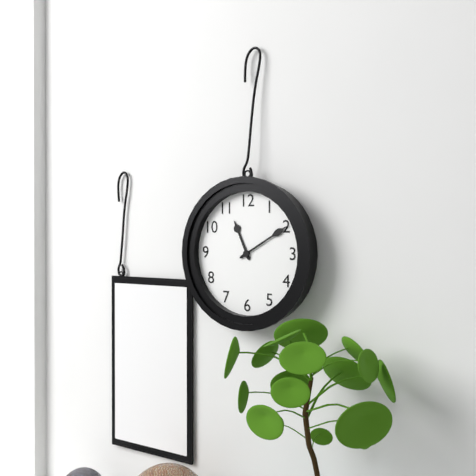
11:10
